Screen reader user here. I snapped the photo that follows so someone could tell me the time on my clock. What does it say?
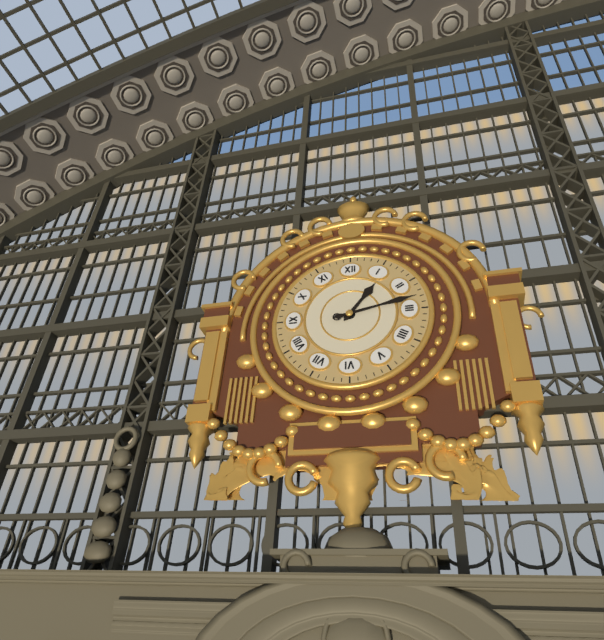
1:13
